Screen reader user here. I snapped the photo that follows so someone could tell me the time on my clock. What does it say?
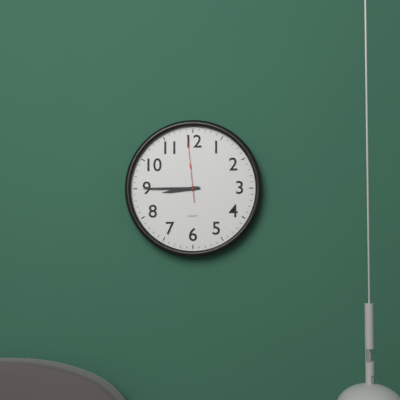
8:45:59
